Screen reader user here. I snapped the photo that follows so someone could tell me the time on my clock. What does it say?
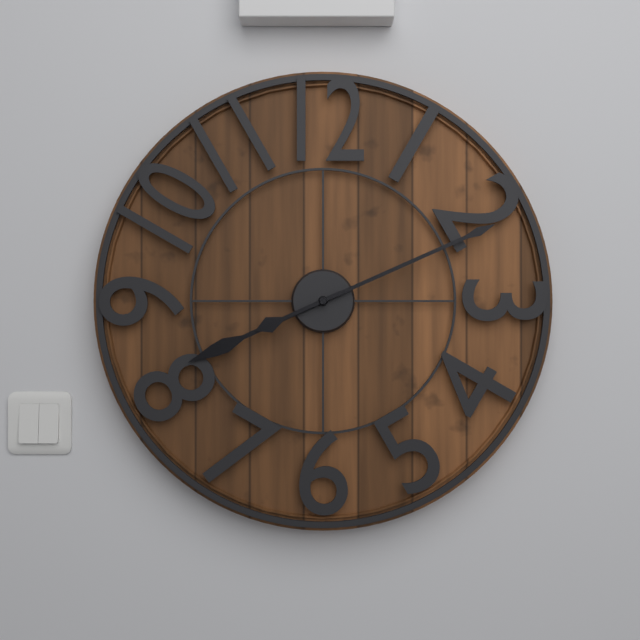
8:11
